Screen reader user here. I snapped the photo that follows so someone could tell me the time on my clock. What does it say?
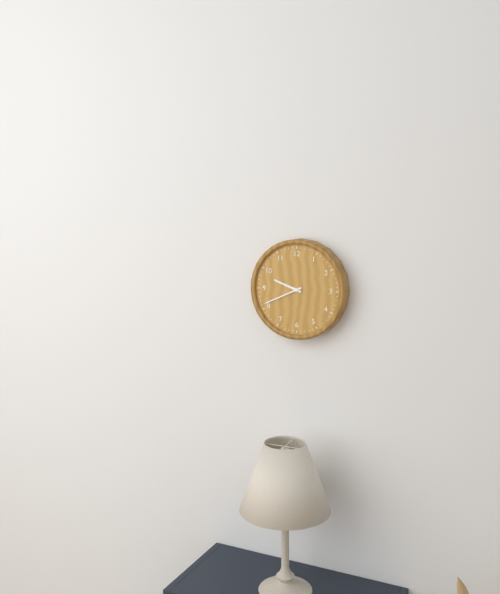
9:41
